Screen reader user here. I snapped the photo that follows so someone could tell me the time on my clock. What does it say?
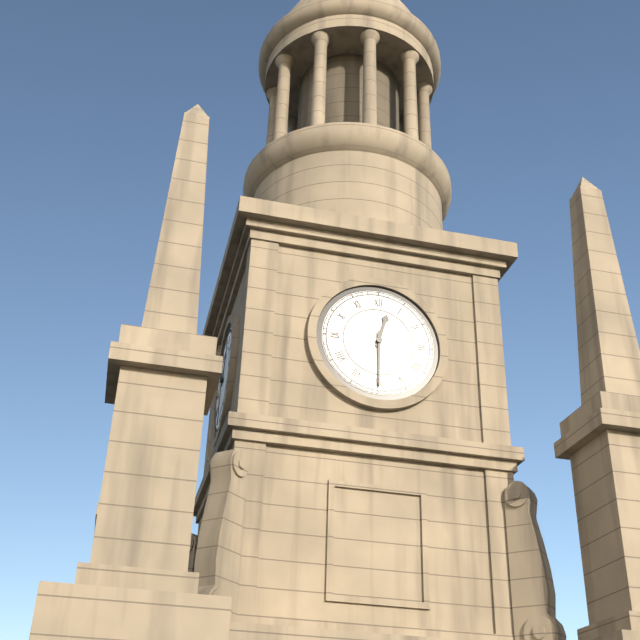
12:30
